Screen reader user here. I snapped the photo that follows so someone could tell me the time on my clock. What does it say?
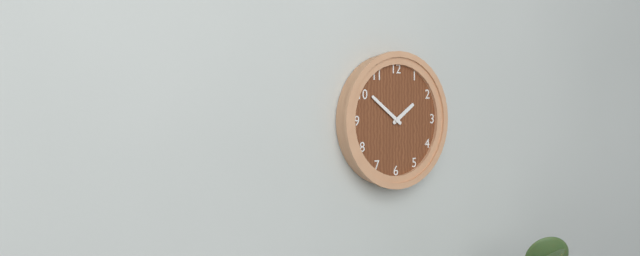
1:51
